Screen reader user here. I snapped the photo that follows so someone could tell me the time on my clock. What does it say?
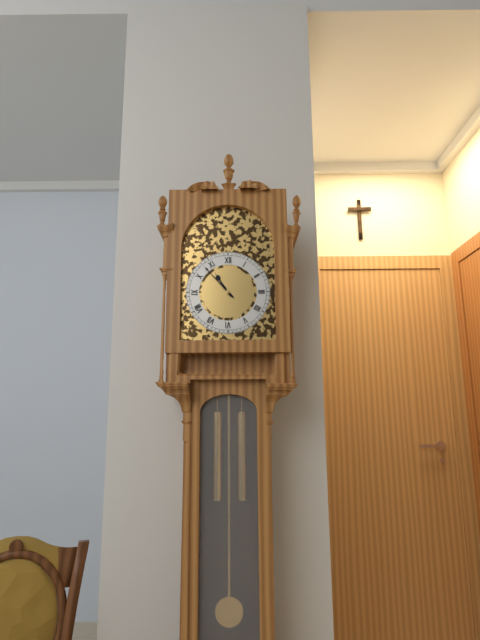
10:53
